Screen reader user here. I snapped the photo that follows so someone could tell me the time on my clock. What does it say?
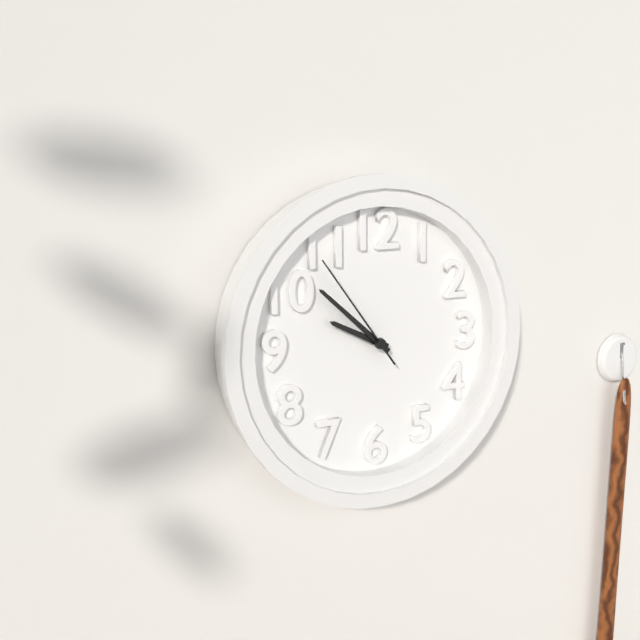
9:52:54
